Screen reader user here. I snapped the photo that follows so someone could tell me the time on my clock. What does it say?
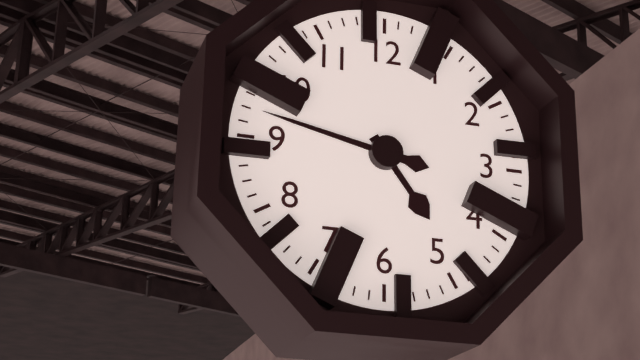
4:47
